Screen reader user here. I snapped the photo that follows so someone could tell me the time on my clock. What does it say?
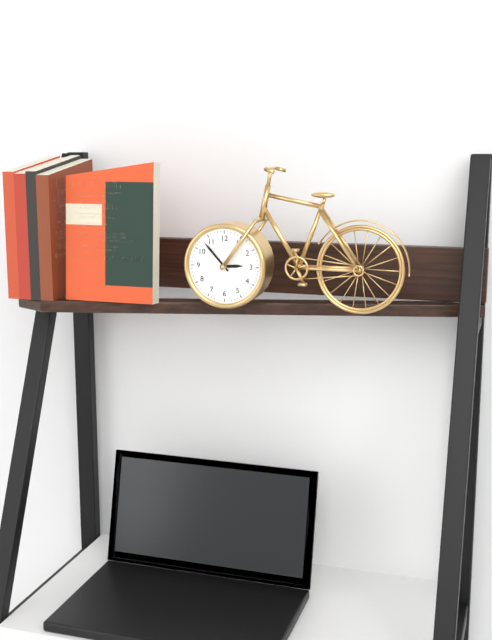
2:53
